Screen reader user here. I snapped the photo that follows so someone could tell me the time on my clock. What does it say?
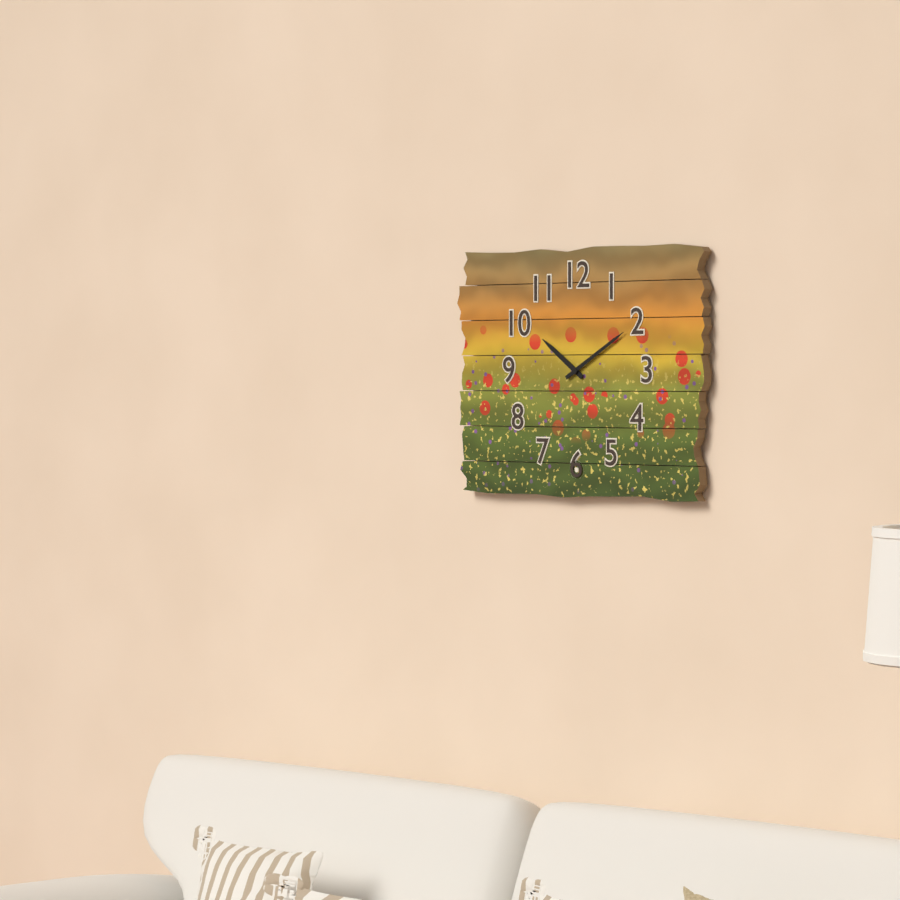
10:10
